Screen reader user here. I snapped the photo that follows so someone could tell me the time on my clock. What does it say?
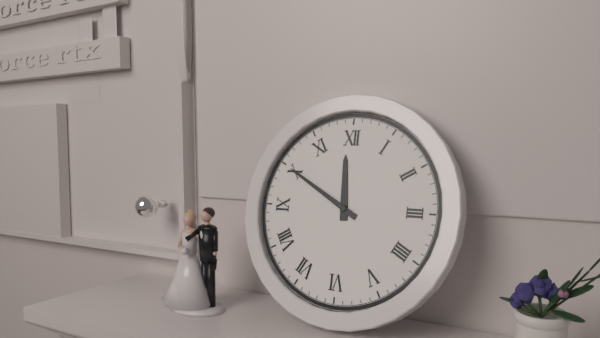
11:50
